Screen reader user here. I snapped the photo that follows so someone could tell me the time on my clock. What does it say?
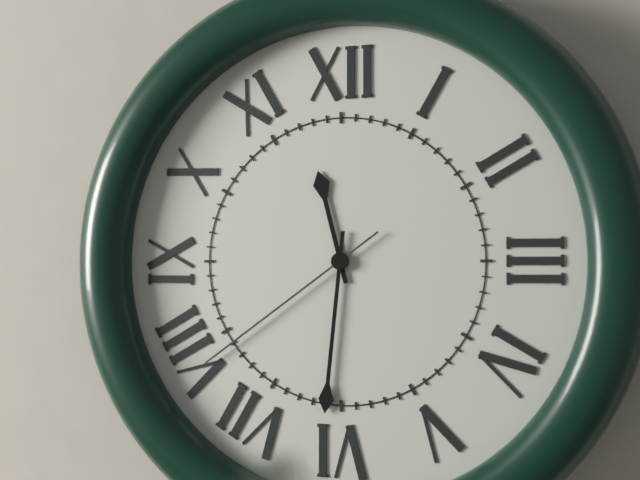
11:31:39
